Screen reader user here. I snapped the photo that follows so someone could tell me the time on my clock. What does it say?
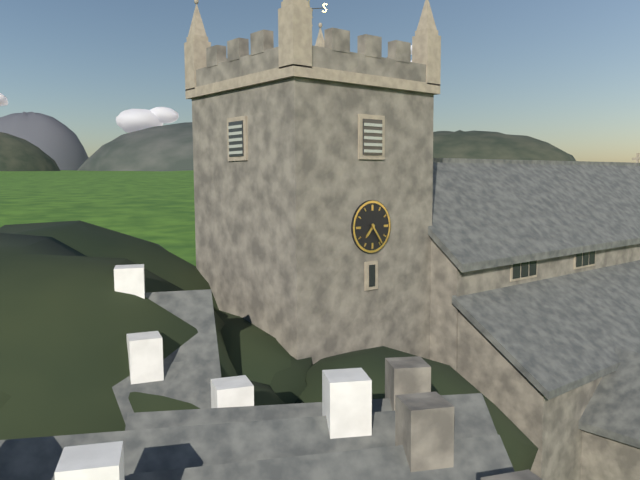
7:24
